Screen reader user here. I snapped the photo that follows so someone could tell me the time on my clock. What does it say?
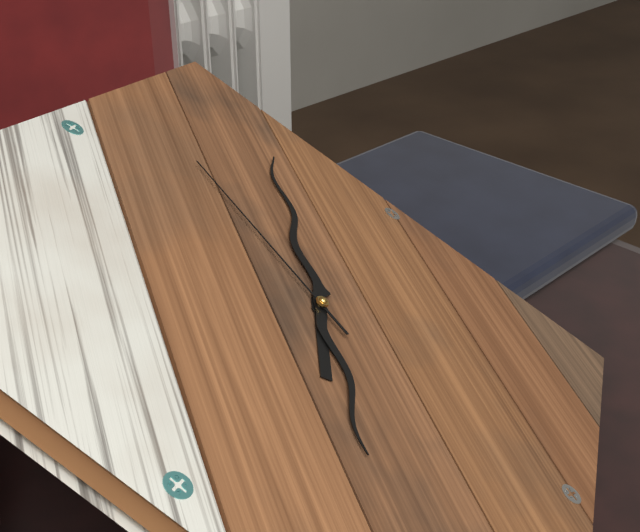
8:09:04
